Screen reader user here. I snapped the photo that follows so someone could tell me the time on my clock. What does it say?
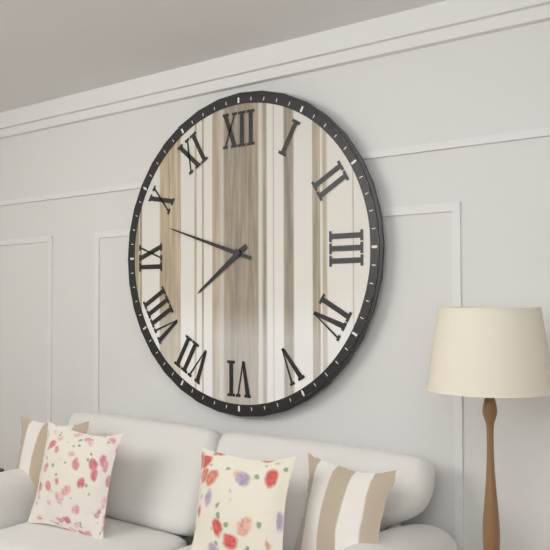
7:48
